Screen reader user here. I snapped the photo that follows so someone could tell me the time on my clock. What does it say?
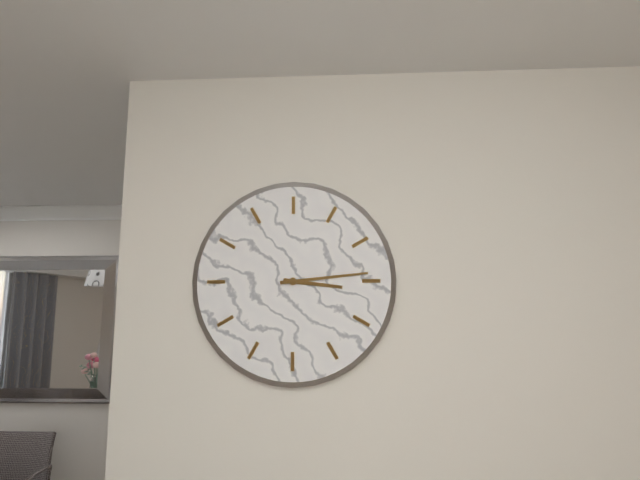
3:14
